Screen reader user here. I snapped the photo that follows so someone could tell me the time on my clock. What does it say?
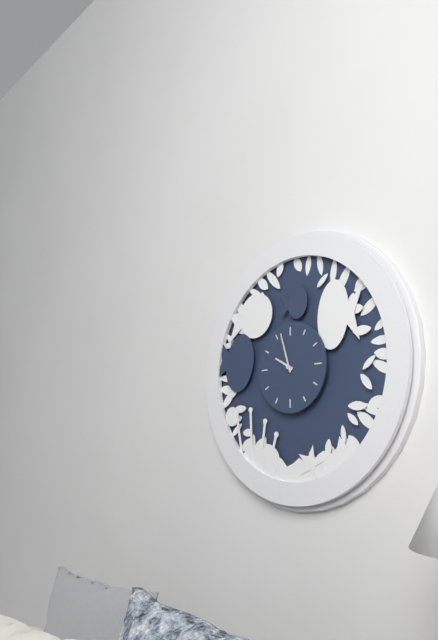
9:57
